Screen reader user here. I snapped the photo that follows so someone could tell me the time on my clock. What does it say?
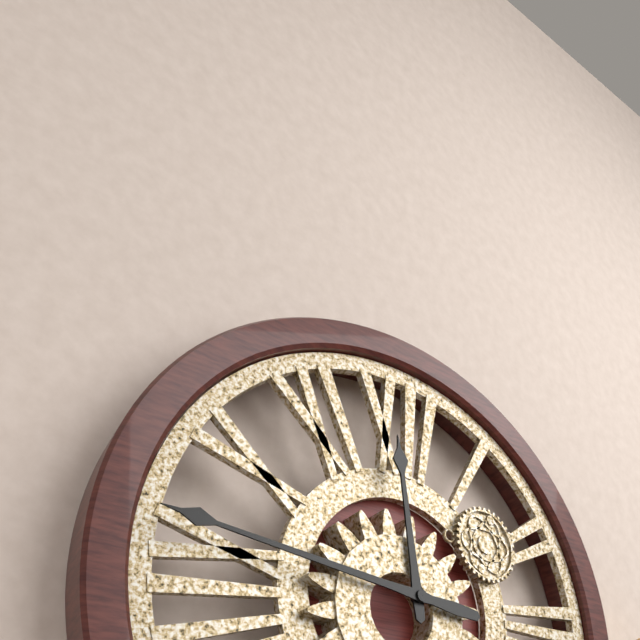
11:46
